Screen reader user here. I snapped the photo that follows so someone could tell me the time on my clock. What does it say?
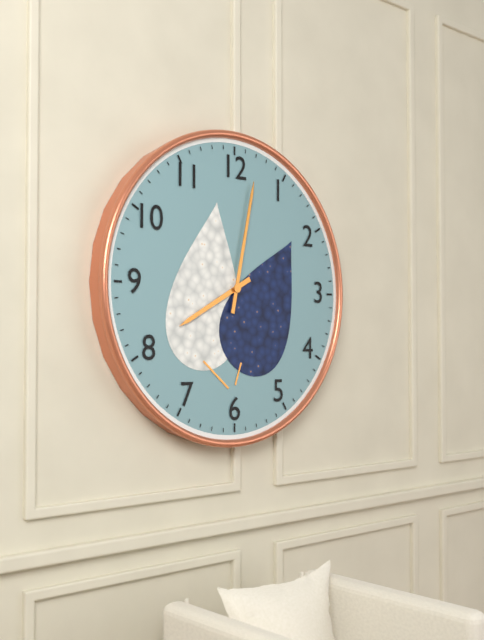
8:02
